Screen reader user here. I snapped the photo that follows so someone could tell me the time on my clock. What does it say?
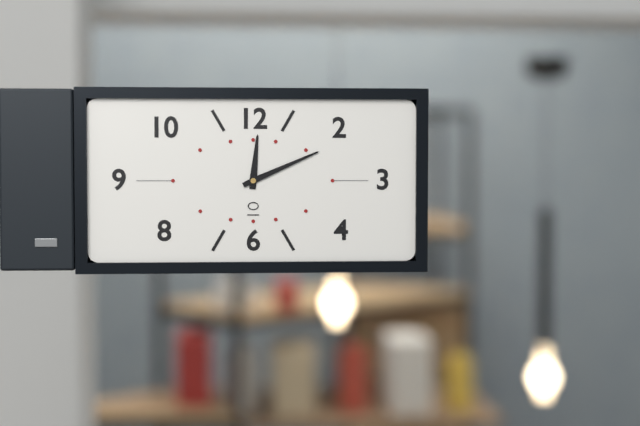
12:11
